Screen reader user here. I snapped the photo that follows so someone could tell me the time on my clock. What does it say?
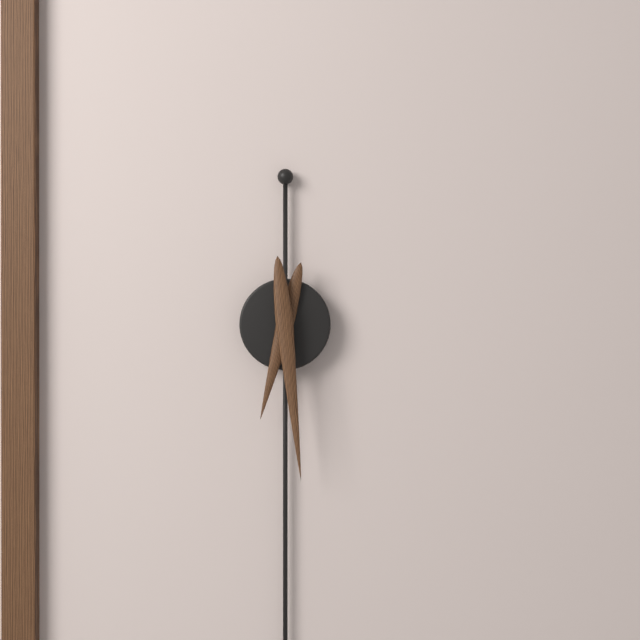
6:29
